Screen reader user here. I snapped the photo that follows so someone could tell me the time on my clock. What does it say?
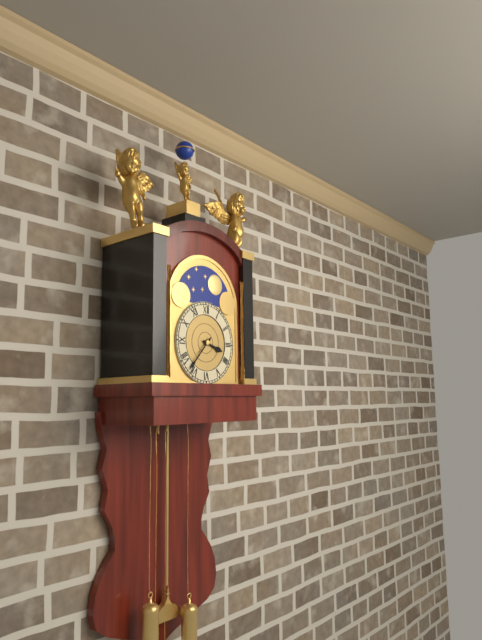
3:37
